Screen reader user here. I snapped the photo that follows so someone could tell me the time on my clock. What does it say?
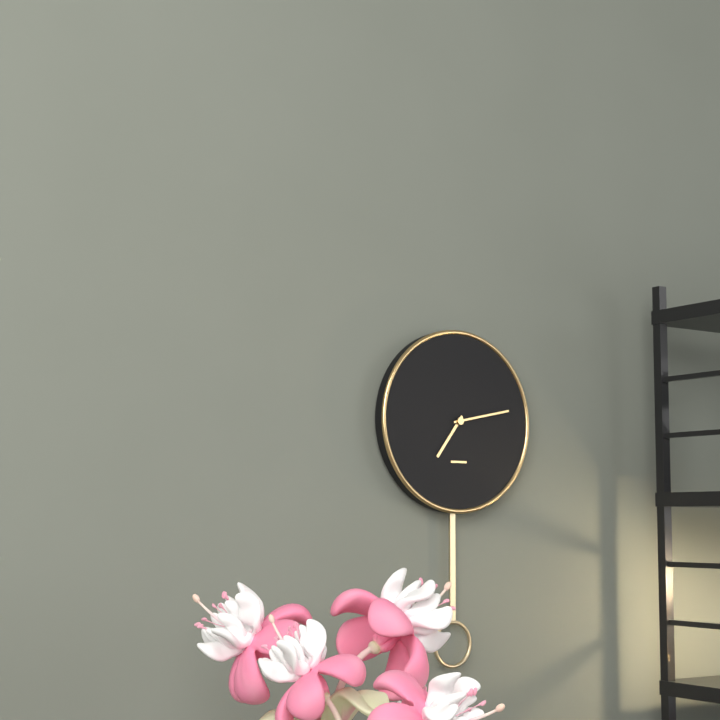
7:13
